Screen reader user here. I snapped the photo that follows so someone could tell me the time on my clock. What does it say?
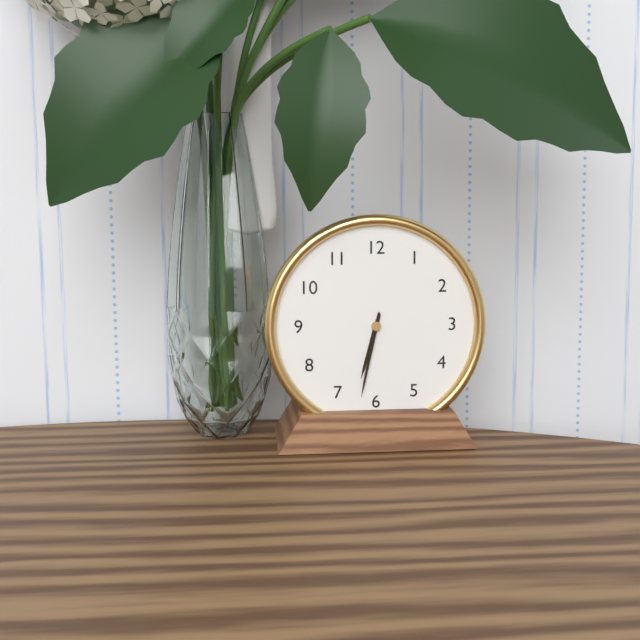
6:32
